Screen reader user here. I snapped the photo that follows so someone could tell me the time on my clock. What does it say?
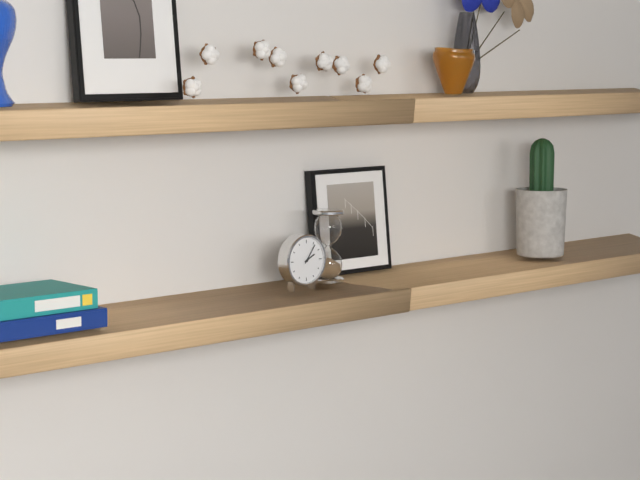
2:06
